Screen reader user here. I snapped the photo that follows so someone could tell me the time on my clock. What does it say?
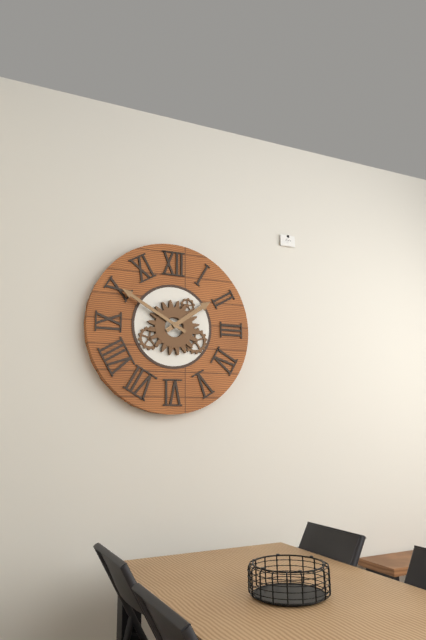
1:50
